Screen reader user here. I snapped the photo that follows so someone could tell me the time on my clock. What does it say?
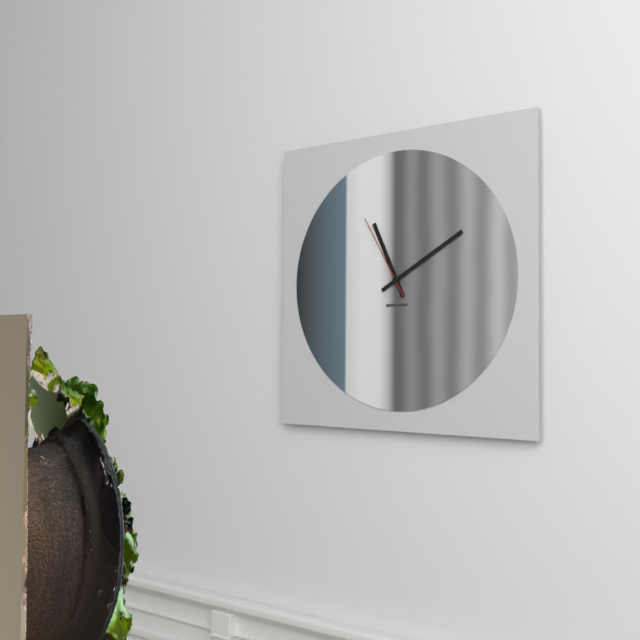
11:10:55
